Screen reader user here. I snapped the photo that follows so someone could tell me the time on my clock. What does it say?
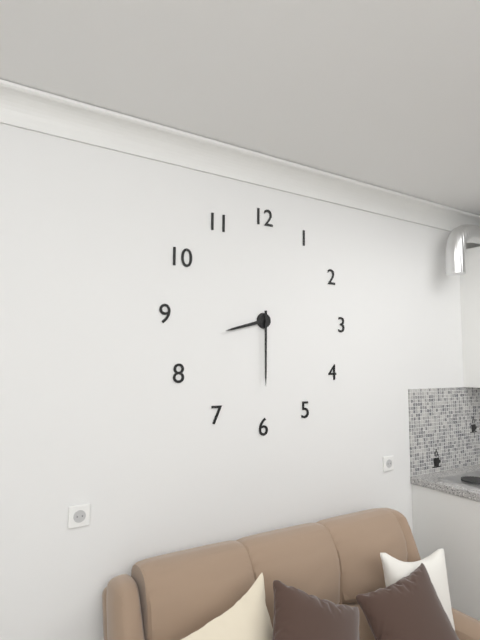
8:30
